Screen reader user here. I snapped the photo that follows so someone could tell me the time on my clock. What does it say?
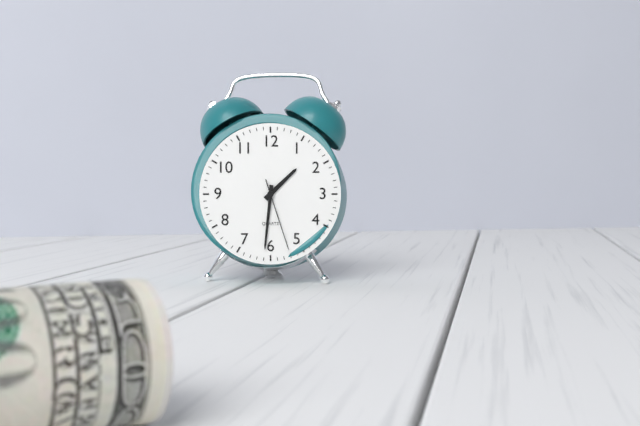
1:31:27
